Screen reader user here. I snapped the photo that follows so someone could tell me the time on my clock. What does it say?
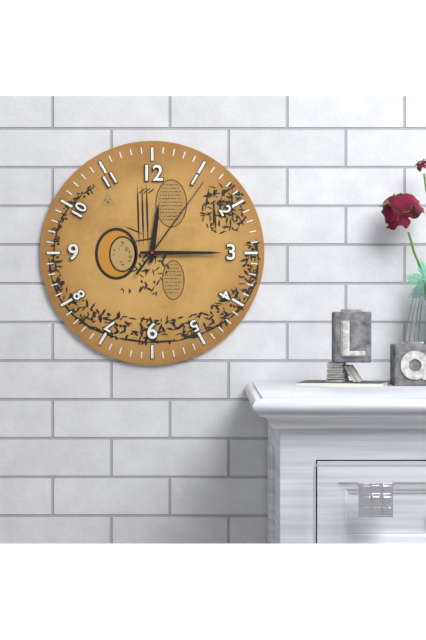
12:15:06
